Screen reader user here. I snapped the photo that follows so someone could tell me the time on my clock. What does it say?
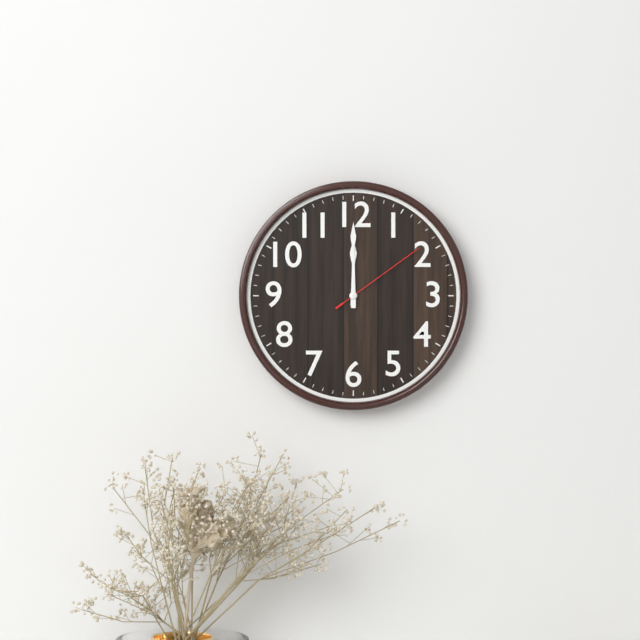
12:00:09
